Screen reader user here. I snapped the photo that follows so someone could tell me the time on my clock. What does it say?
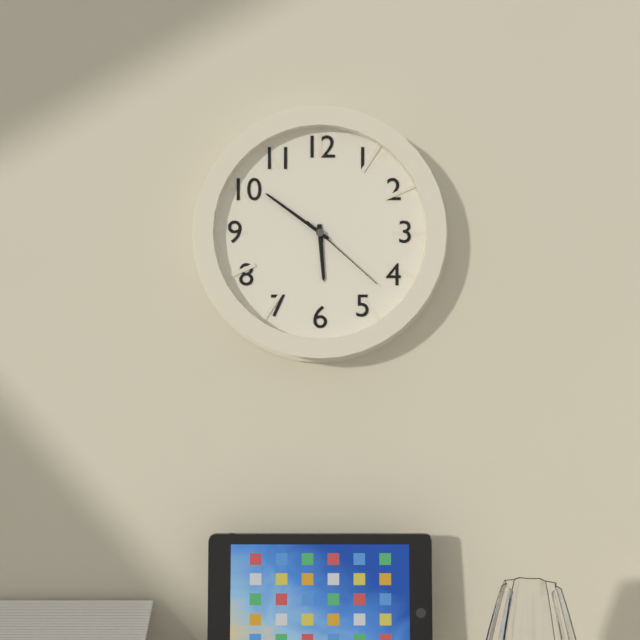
5:51:22
